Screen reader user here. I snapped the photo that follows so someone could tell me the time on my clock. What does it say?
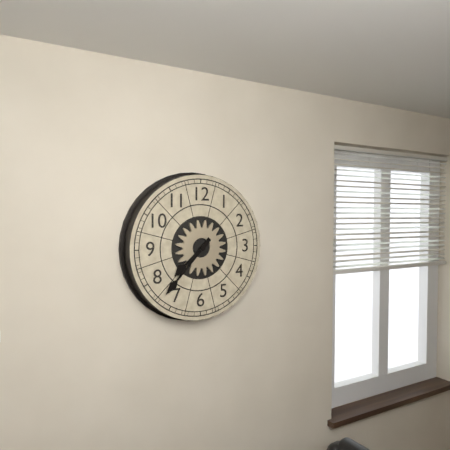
7:37
